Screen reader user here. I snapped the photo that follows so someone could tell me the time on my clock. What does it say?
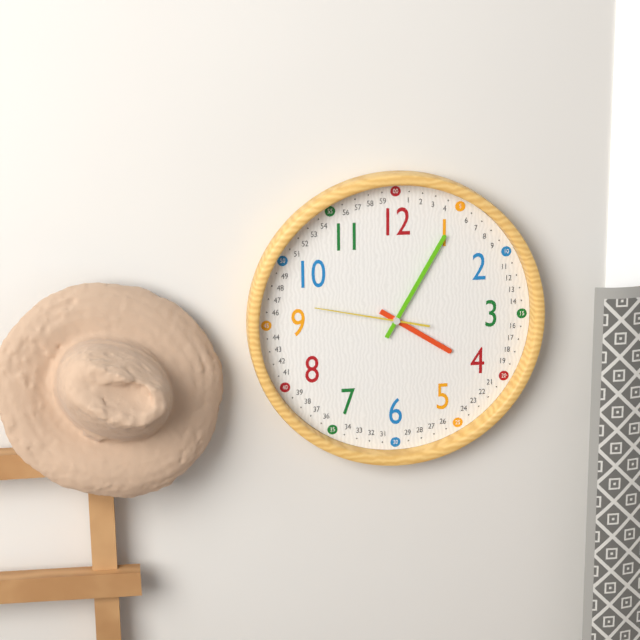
4:05:47
